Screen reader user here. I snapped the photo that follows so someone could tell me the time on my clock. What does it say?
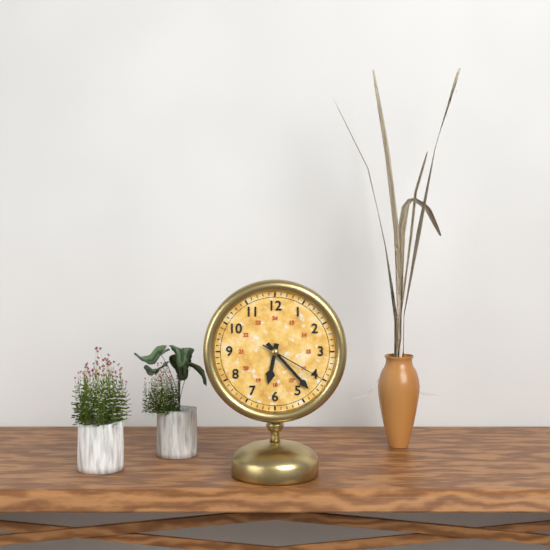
6:23:20
